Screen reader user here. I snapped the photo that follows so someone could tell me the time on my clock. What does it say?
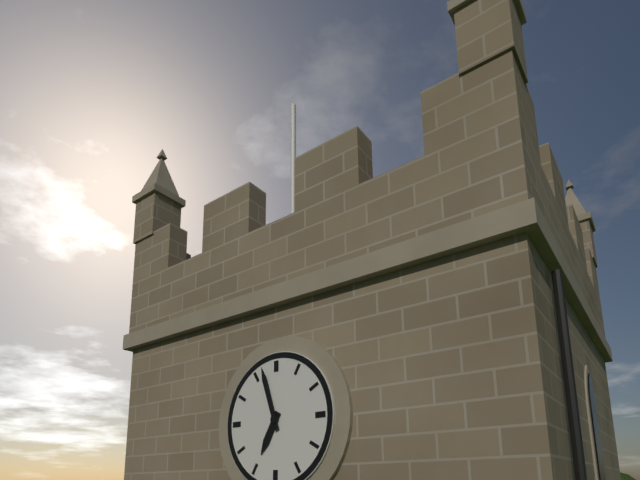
6:57
